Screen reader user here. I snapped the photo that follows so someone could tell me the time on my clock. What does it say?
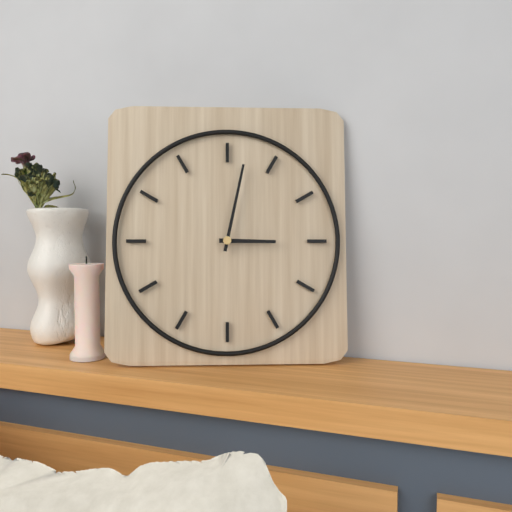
3:02
